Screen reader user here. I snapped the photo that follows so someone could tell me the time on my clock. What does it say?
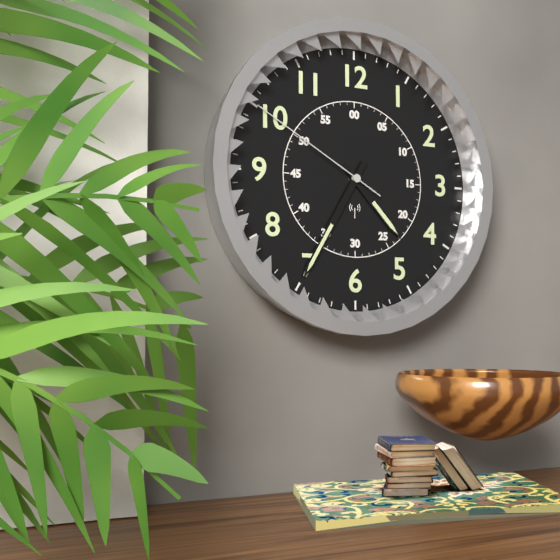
4:35:50
